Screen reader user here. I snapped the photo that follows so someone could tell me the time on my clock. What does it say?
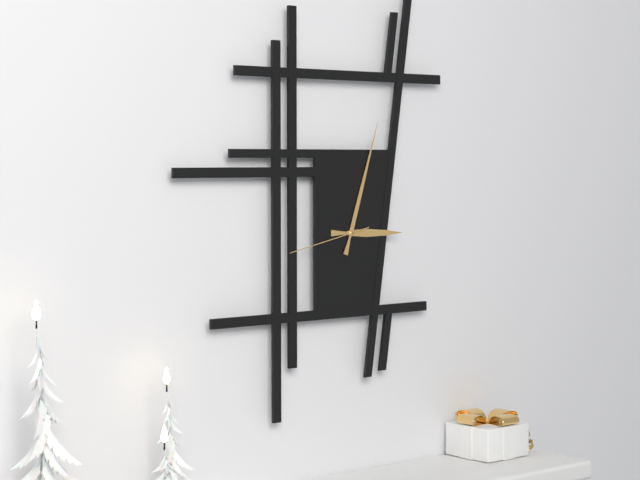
3:03:43
